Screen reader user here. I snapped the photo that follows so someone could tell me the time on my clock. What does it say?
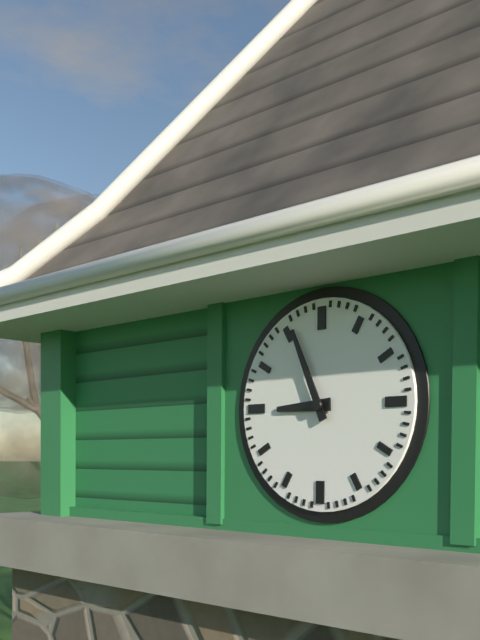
8:56
